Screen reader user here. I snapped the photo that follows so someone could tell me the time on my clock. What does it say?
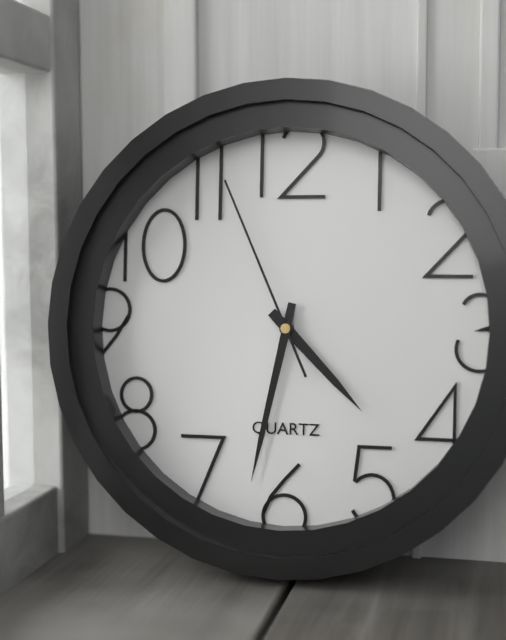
4:32:56
